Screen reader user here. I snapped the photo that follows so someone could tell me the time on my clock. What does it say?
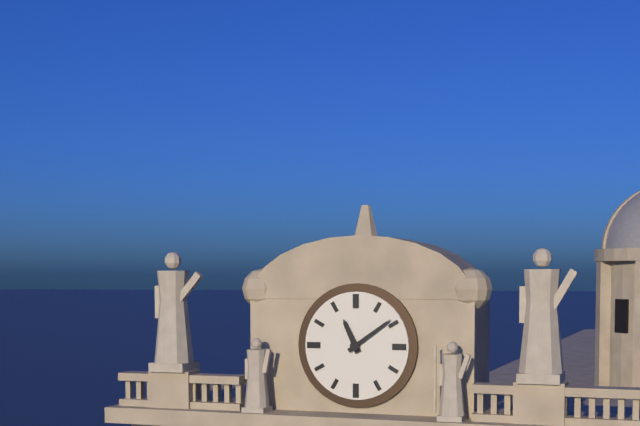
11:09
